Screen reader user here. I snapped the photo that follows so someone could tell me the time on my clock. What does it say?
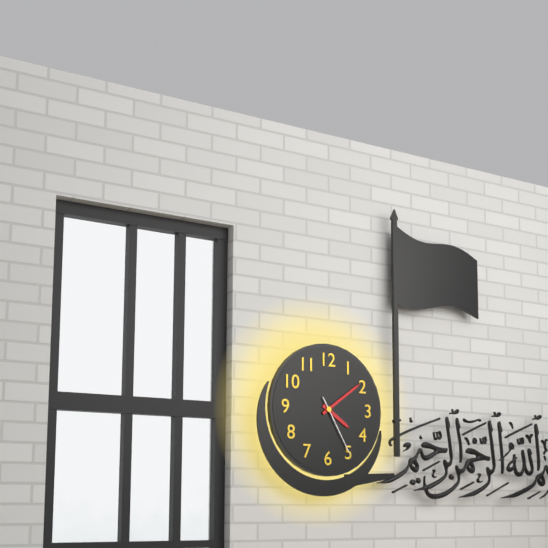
4:09:25
